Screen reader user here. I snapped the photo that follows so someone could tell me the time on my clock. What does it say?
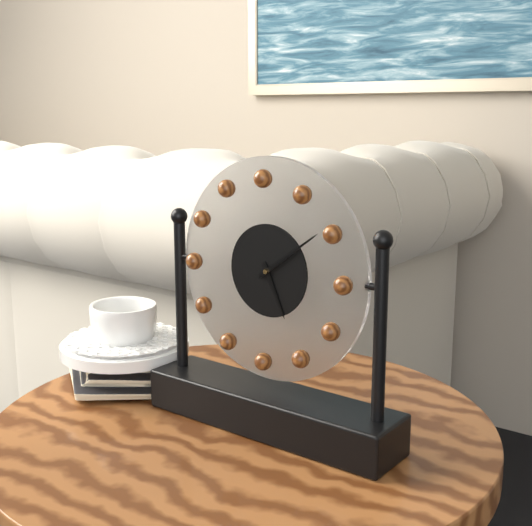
5:09
